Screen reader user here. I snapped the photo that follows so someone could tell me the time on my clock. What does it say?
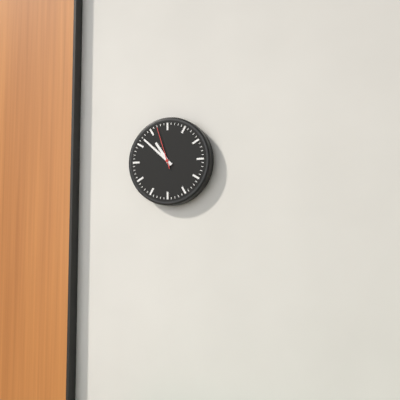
10:52
